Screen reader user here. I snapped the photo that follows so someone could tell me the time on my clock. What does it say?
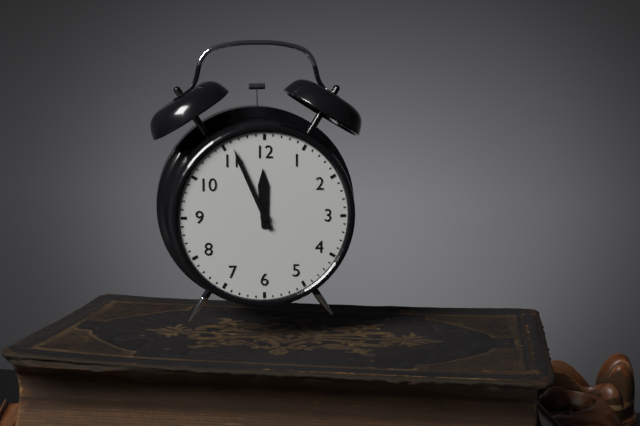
11:56
